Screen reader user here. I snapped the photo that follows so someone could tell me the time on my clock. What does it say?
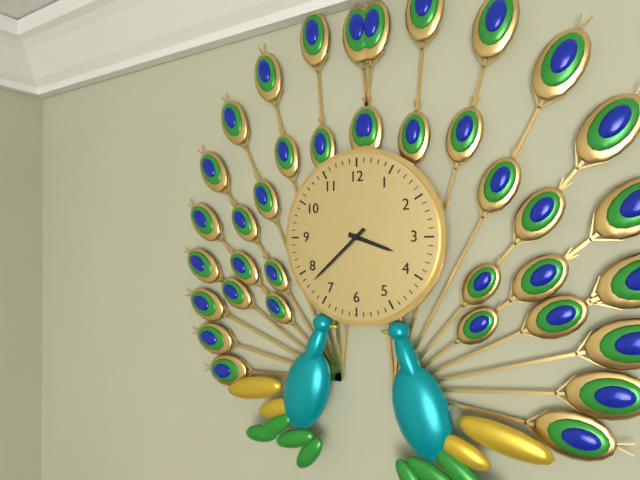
3:38
